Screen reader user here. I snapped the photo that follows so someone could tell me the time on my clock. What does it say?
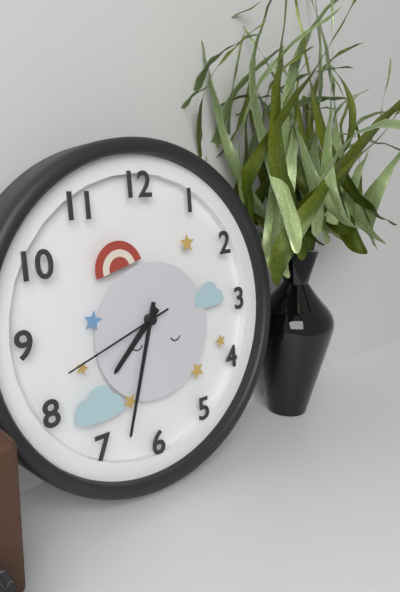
7:33:42
